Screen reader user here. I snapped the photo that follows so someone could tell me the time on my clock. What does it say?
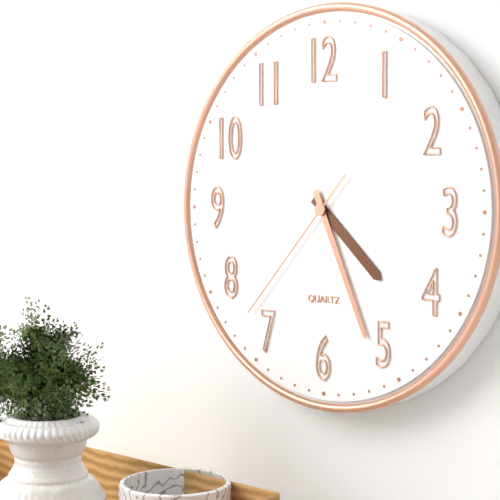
4:26:37
